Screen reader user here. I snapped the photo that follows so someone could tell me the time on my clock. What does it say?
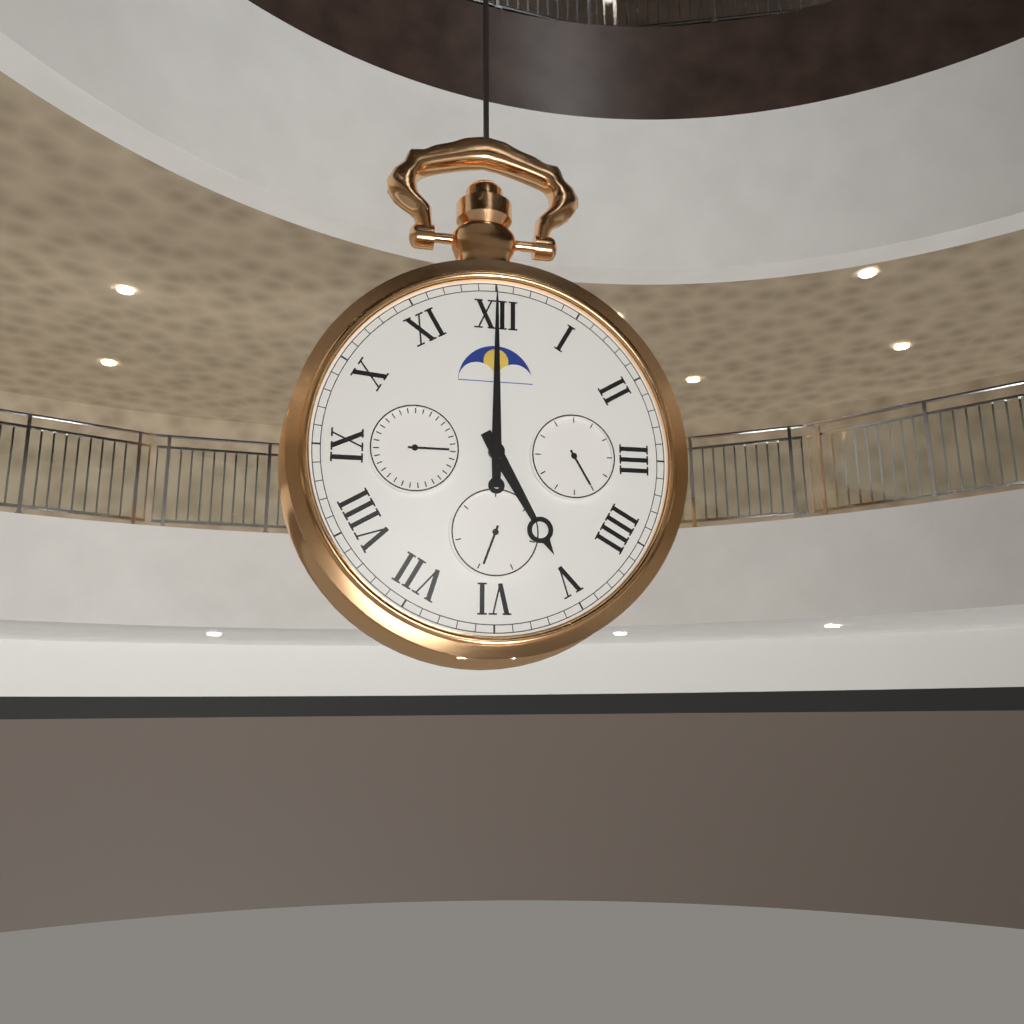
5:00
